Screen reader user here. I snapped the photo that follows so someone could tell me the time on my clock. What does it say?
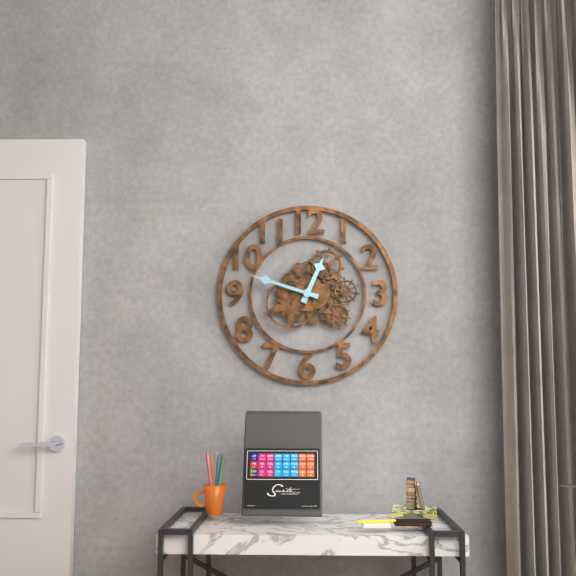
12:48
